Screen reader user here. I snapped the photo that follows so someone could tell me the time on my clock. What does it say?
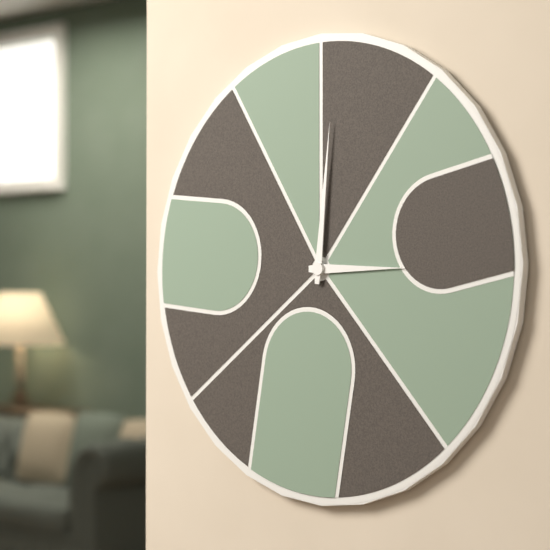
3:01
